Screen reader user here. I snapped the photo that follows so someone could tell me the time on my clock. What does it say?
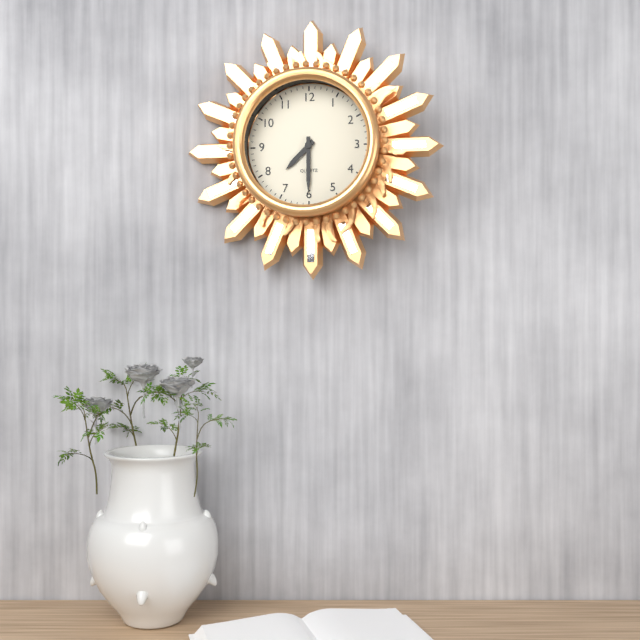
7:30
